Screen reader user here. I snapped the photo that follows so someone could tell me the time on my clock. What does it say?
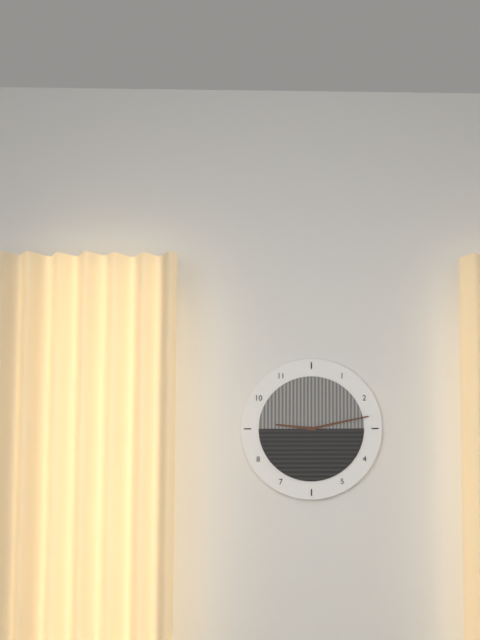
9:13
